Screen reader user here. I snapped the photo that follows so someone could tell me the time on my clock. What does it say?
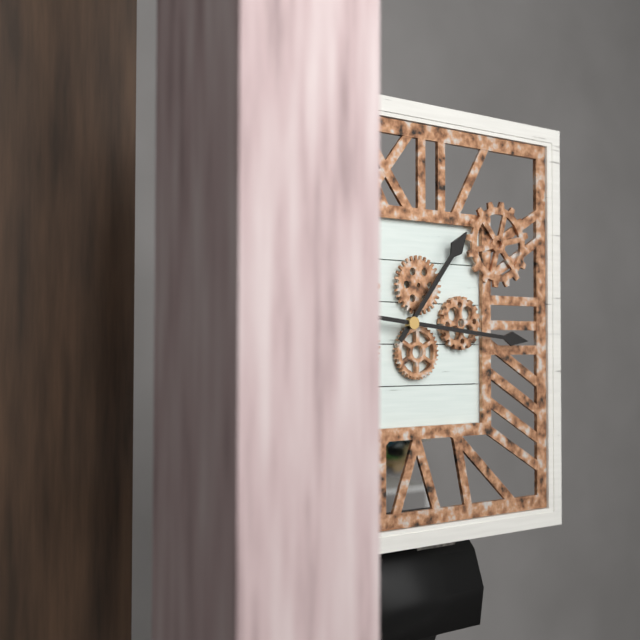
1:16
